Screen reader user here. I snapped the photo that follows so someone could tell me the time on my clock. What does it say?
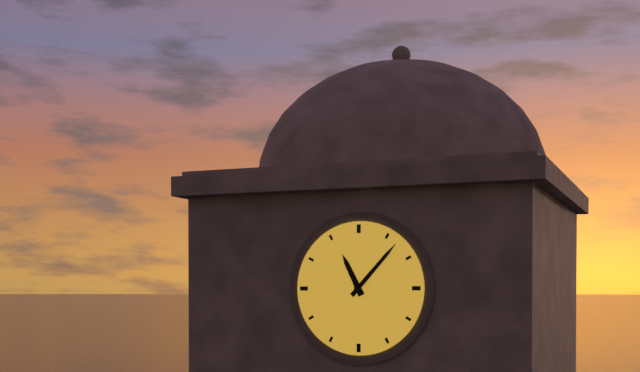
11:07
